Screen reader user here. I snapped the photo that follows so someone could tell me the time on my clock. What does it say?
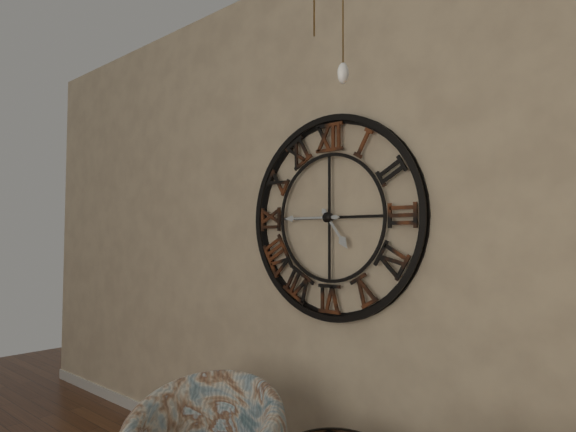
4:45
